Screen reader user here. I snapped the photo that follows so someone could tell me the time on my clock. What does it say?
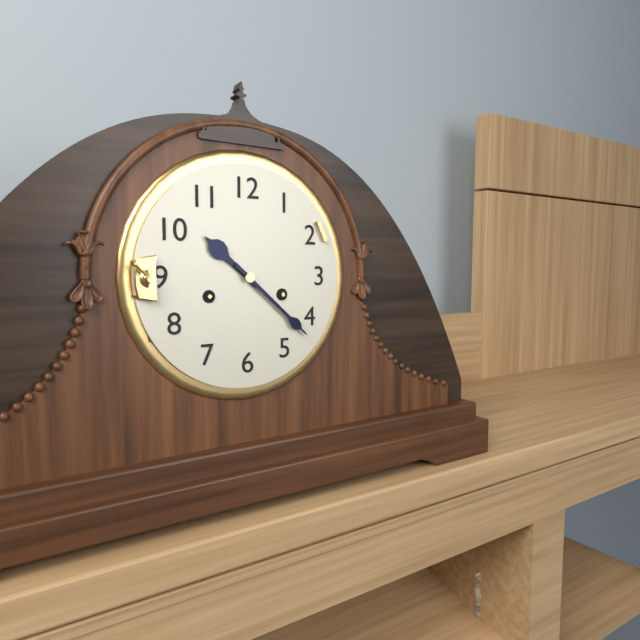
10:22
